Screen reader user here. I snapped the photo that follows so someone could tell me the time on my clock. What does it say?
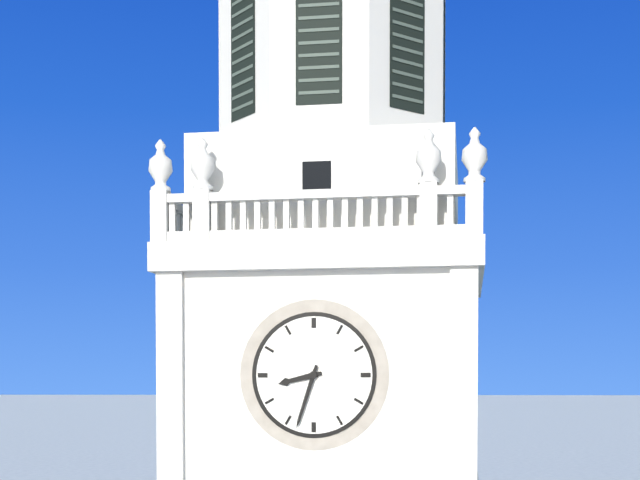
8:33
